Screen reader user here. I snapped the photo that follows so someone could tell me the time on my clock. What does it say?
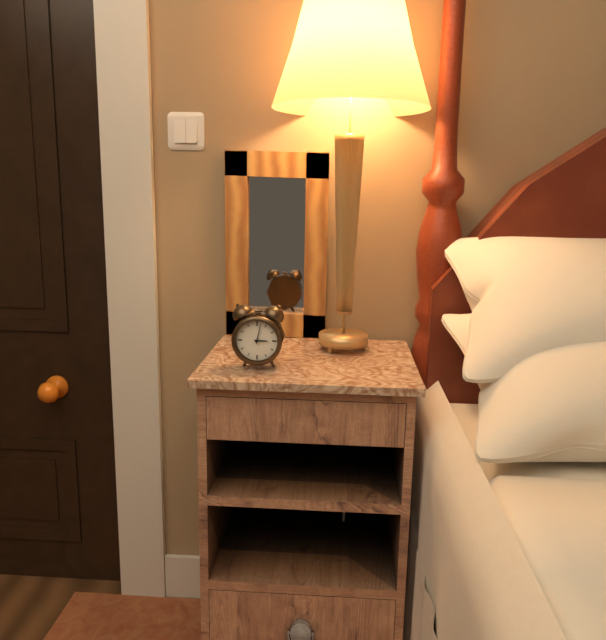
3:02
